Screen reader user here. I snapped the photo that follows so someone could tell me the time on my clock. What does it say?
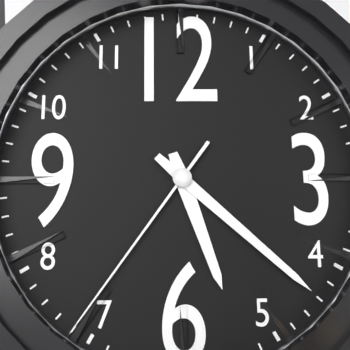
5:22:36
